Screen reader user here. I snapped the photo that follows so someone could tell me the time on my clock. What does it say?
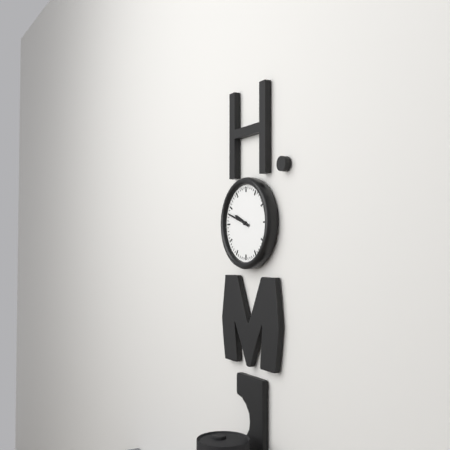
9:48
